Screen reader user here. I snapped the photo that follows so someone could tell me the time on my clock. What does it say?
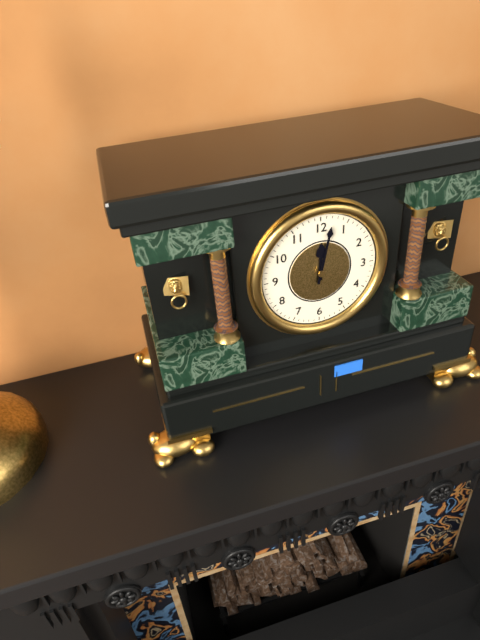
12:02
